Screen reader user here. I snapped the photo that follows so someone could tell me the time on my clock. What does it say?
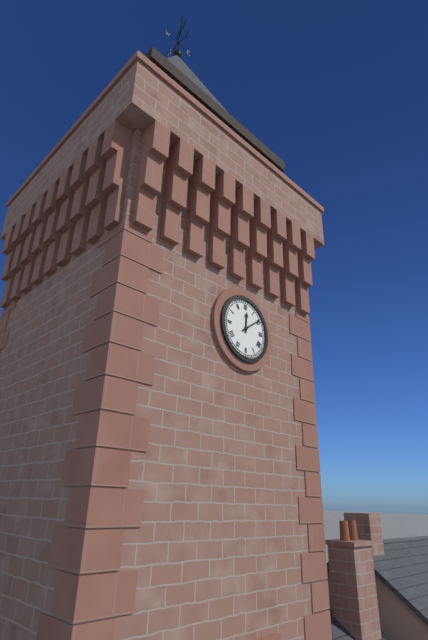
12:09
